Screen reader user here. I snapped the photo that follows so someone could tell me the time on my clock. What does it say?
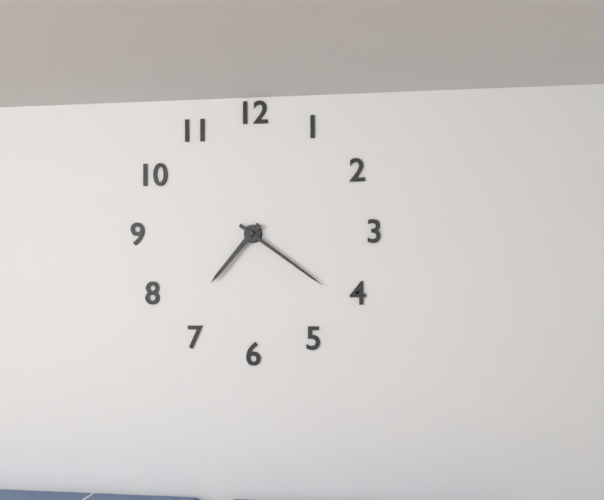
7:21
